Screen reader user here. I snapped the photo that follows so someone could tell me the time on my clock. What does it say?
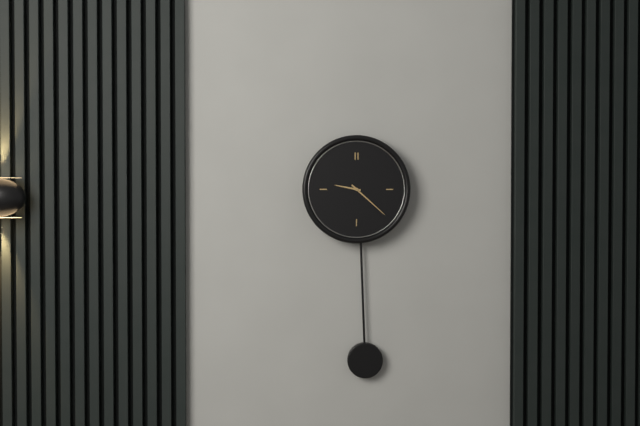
9:22
